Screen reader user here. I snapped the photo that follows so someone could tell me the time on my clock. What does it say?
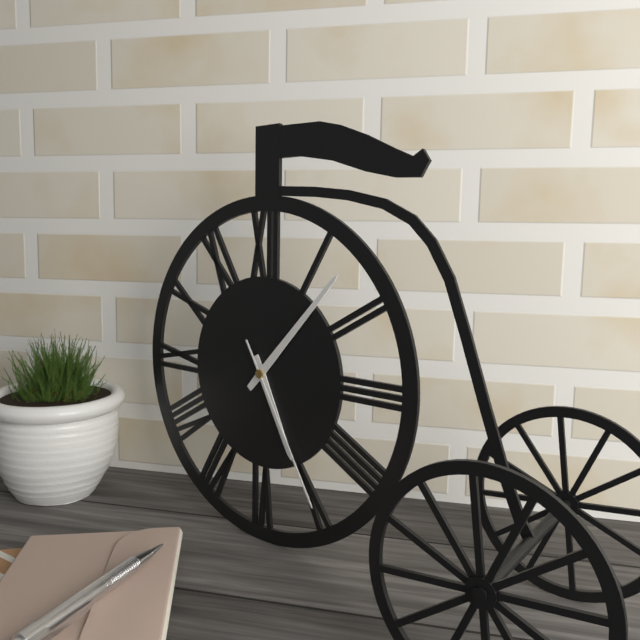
5:07:25
